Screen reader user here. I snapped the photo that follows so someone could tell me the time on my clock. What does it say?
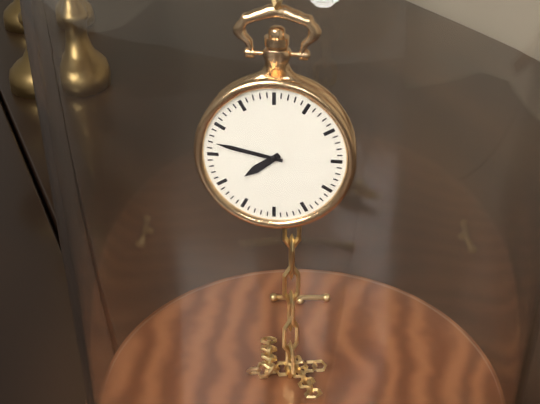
7:47
